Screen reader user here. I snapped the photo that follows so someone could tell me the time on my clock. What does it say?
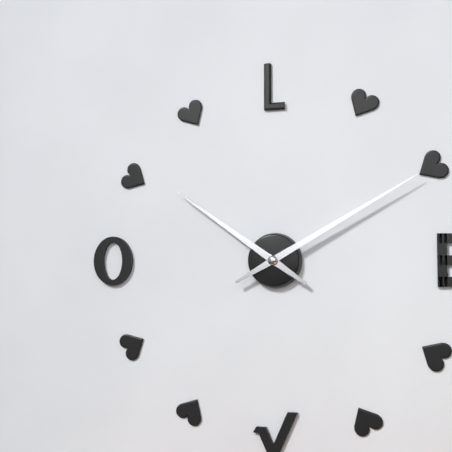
10:10
